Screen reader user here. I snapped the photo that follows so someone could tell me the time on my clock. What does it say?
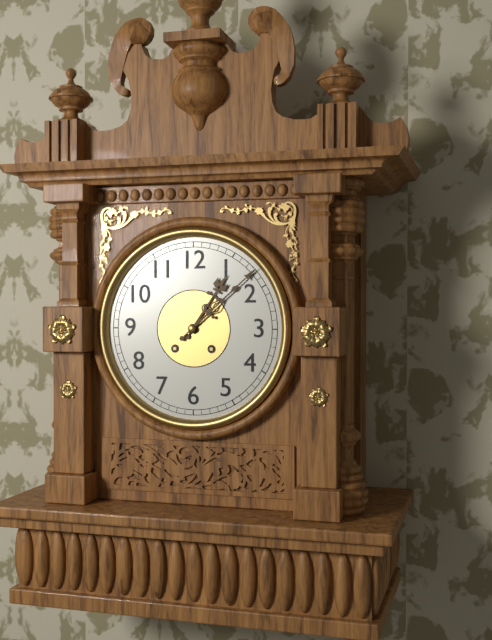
1:08
